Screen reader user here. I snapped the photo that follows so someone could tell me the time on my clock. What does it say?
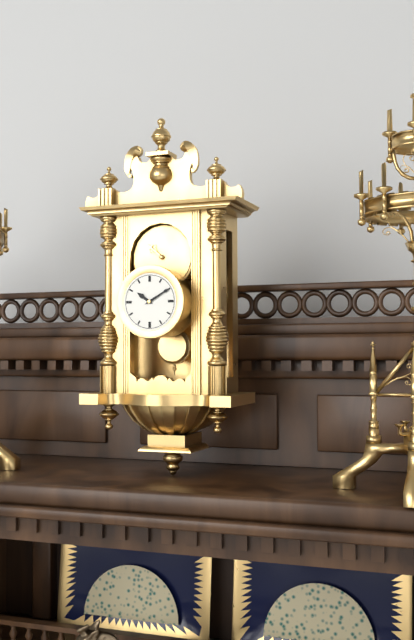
10:10
